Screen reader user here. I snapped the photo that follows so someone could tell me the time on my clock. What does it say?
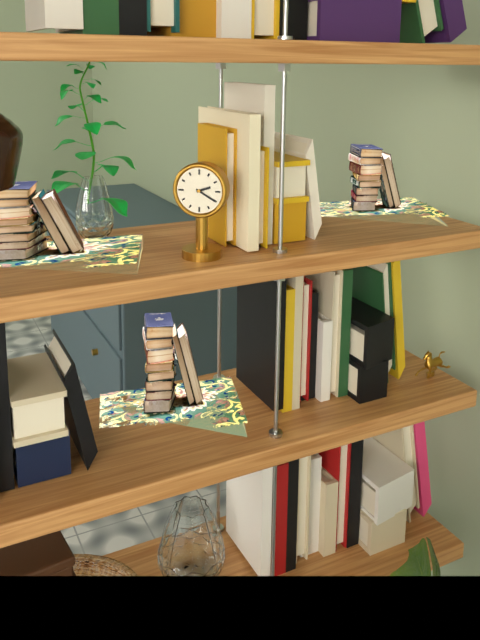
2:20
